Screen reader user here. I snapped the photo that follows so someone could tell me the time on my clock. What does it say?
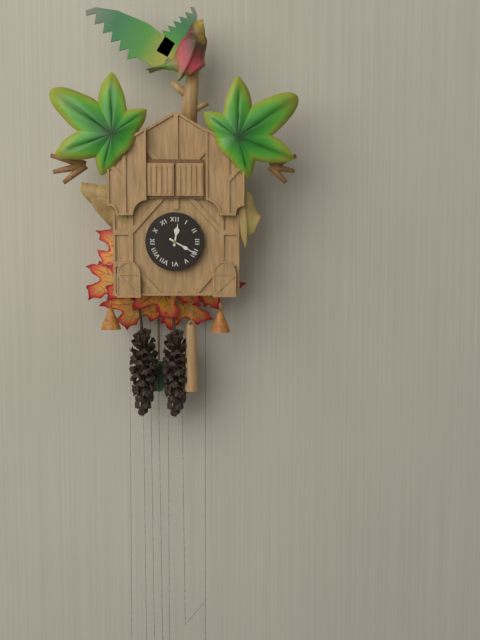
12:20
